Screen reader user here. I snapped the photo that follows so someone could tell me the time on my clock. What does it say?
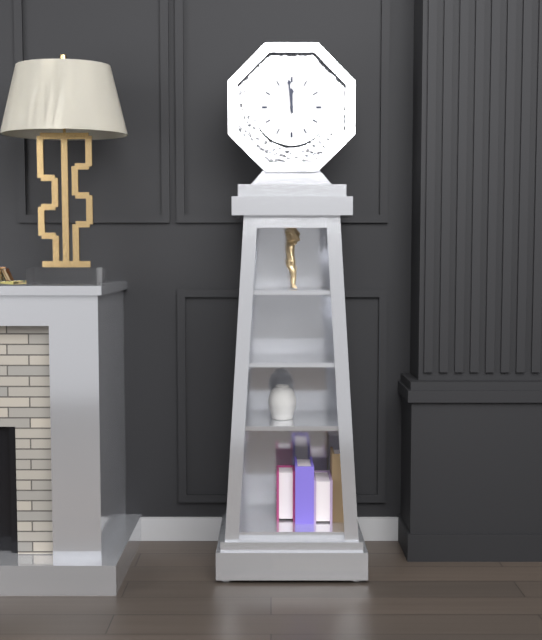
11:59
